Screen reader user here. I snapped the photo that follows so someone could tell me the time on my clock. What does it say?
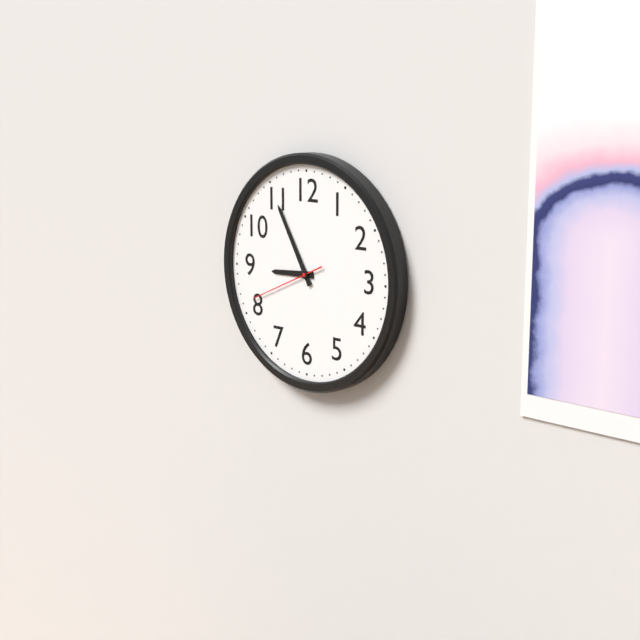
8:55:41
